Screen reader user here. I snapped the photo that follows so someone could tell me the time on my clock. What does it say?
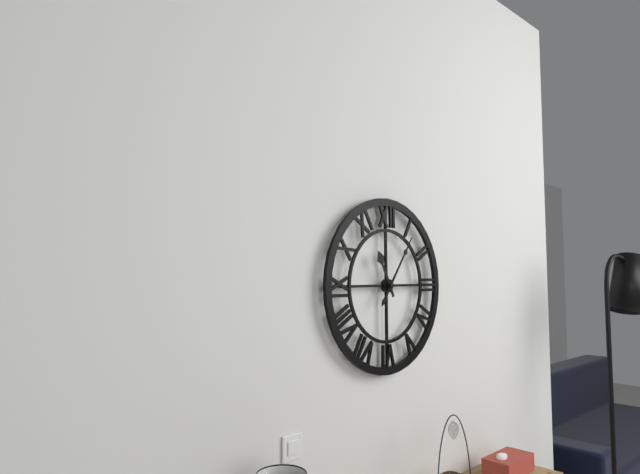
11:06
